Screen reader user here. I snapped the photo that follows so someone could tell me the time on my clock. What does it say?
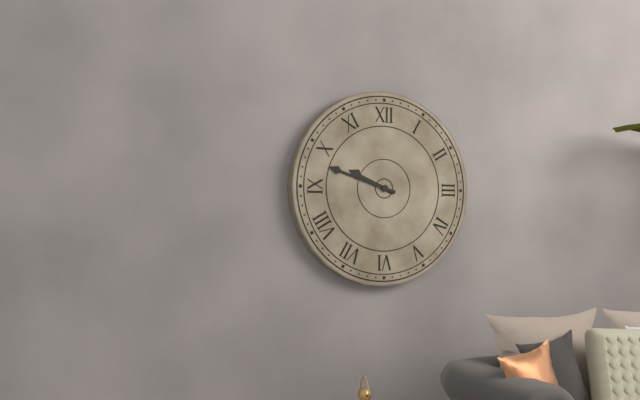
9:48
